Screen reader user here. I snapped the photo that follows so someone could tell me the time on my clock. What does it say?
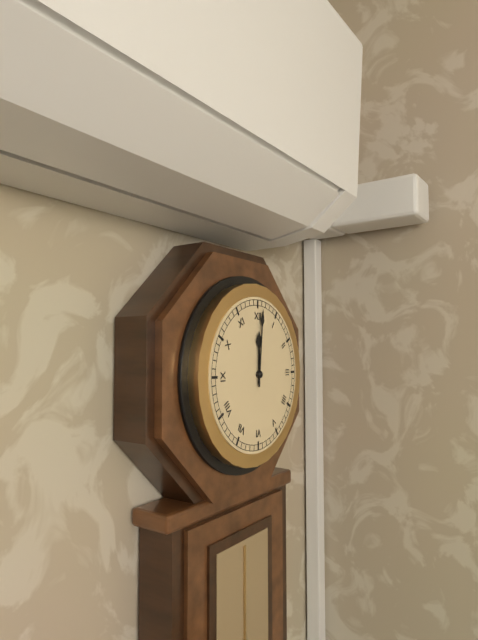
12:01
